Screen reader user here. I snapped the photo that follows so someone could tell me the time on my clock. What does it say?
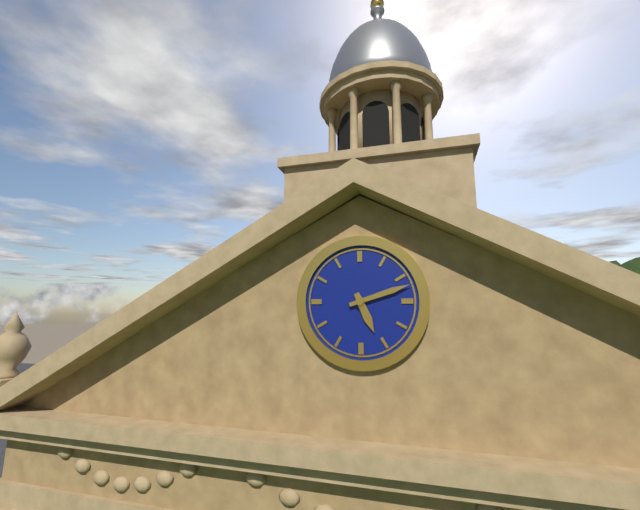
5:12
